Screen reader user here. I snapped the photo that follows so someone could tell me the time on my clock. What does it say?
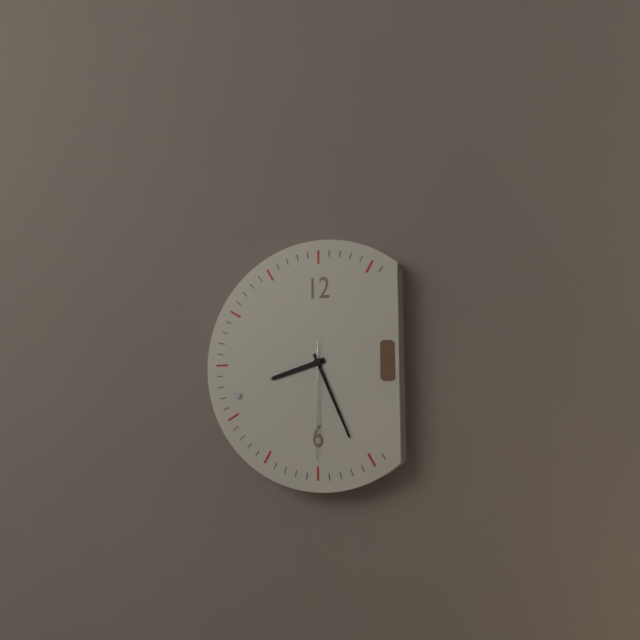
8:26:30
